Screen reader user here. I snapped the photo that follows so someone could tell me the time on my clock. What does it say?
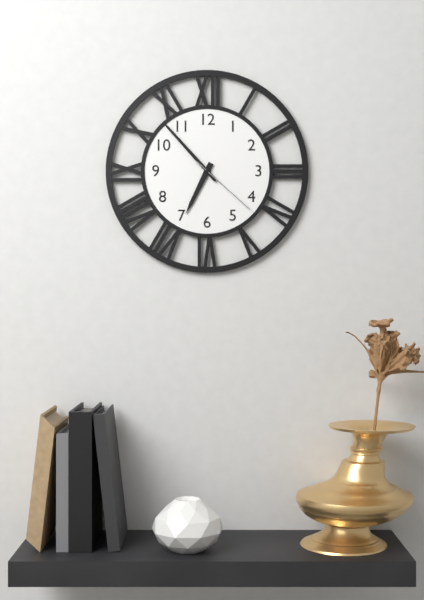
6:53:22
